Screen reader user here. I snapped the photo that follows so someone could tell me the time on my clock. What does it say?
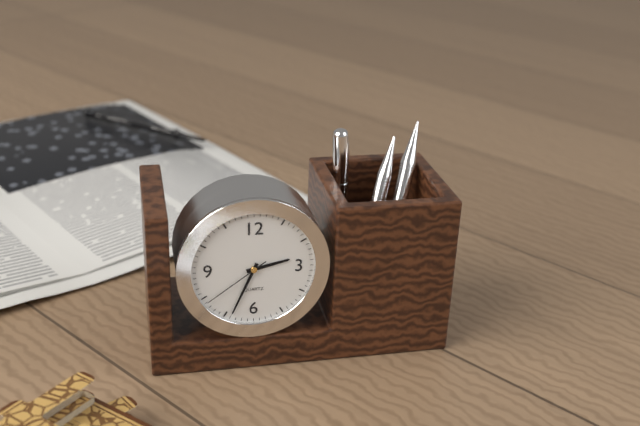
2:34:39
